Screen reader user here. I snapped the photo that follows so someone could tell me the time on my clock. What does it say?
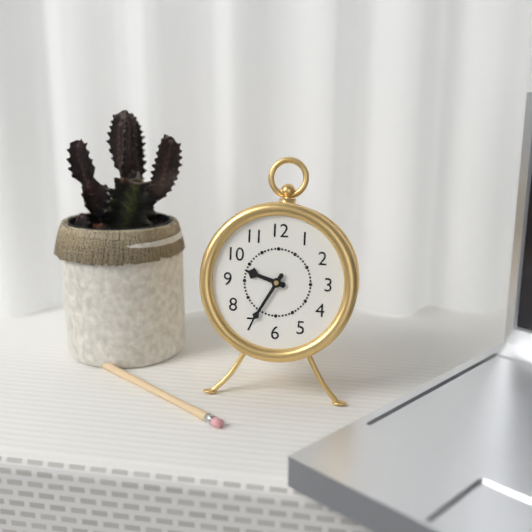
9:35
